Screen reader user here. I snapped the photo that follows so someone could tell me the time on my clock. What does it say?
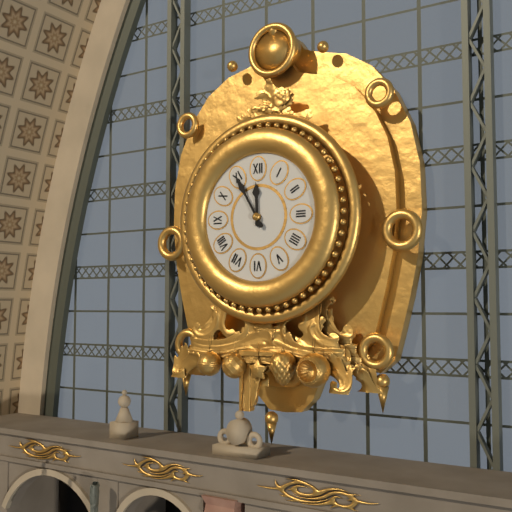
11:55
